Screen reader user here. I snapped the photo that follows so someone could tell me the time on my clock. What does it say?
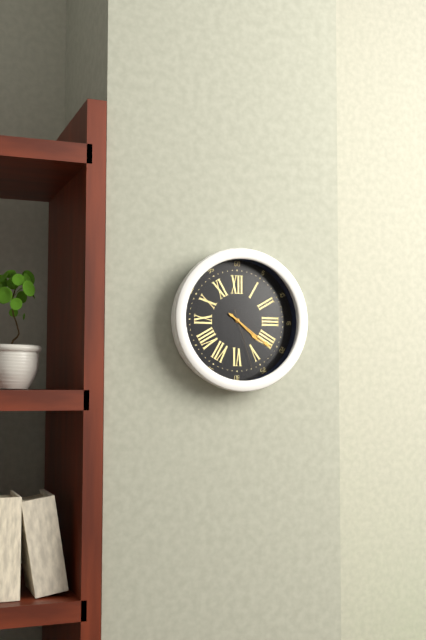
4:21:27
